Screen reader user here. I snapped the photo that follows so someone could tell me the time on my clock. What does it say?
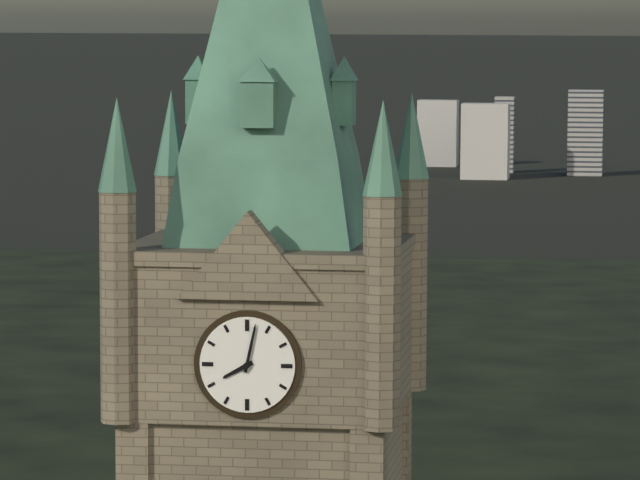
8:02
